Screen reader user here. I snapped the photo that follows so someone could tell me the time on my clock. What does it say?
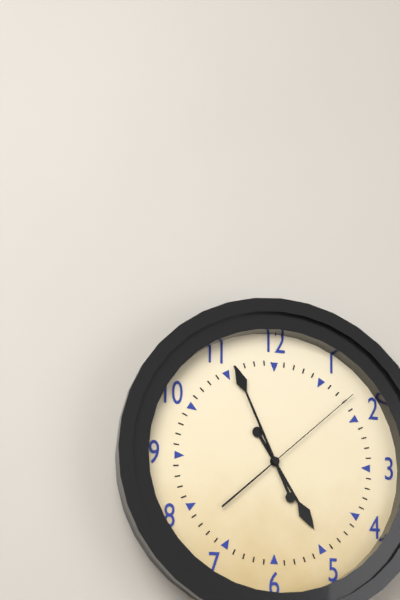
4:56:08
